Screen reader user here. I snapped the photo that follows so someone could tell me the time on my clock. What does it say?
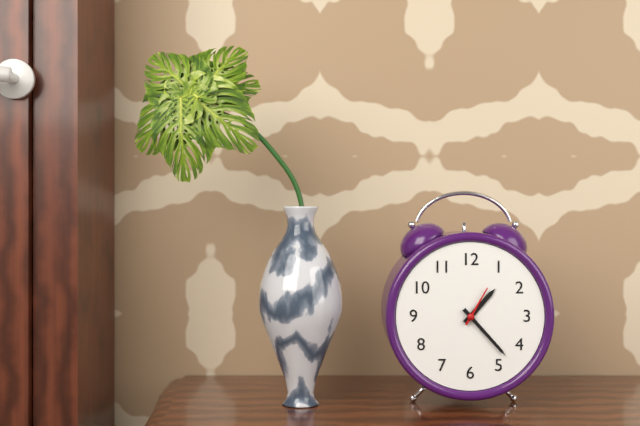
1:23
